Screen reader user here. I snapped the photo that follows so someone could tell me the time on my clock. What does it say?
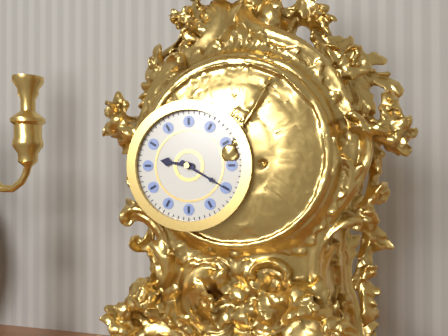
9:20
